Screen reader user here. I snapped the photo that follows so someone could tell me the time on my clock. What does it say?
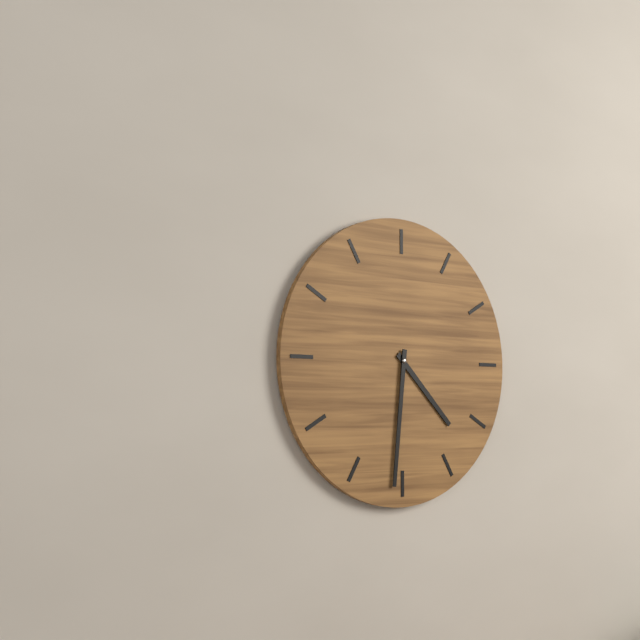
4:31
